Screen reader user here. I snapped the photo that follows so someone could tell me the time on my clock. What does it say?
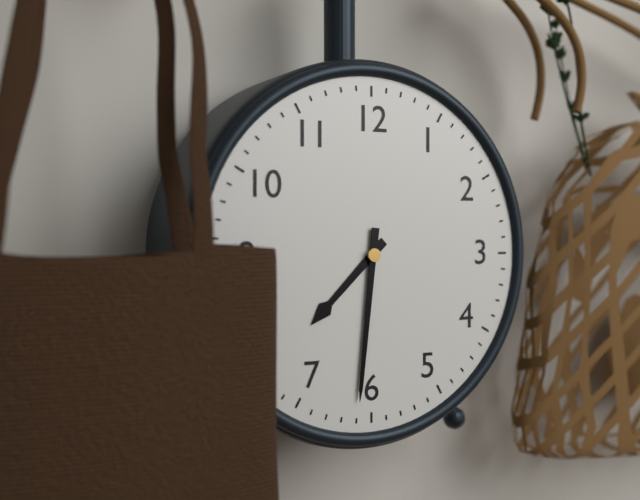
7:31
